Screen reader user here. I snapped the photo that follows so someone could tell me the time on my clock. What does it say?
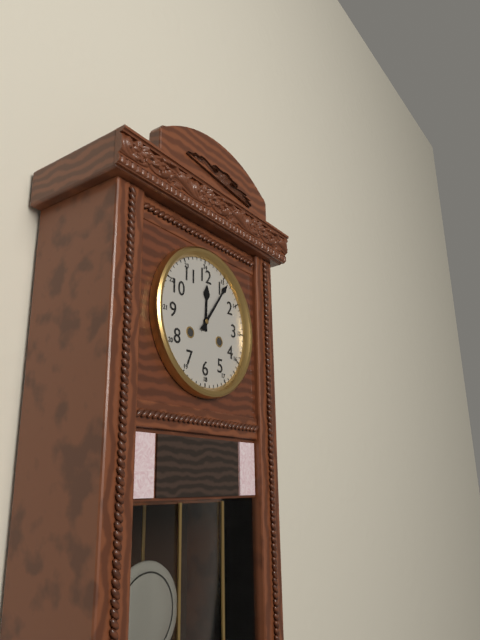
12:06
